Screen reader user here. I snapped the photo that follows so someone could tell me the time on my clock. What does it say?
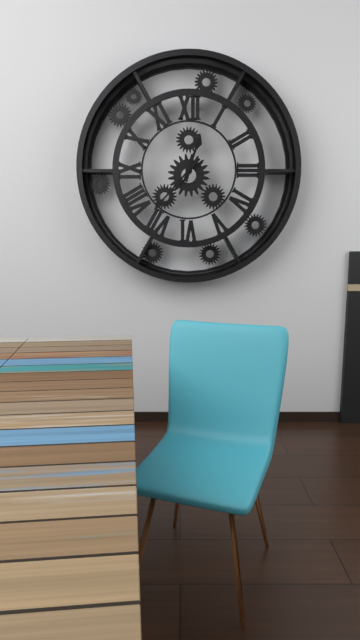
12:37
